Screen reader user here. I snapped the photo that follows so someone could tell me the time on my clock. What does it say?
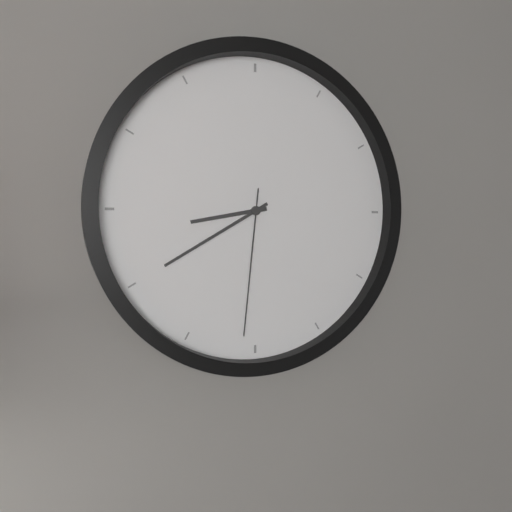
8:40:31
